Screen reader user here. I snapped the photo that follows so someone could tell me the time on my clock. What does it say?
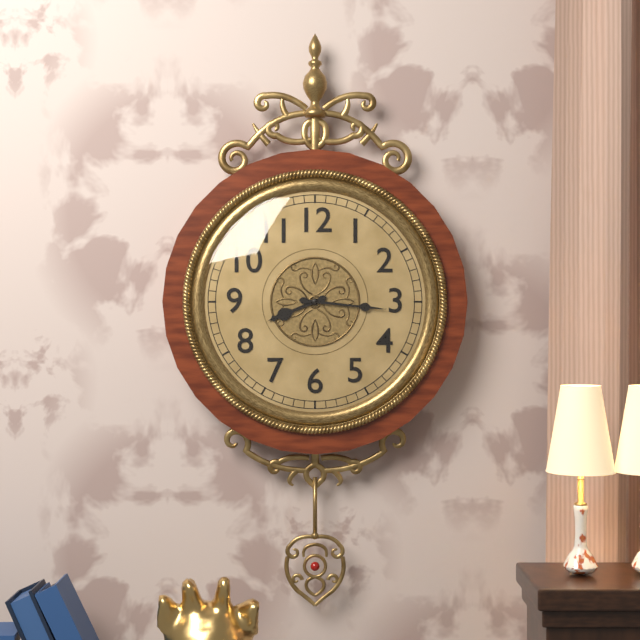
8:16
